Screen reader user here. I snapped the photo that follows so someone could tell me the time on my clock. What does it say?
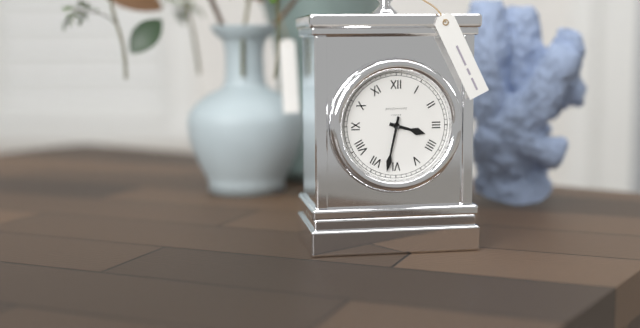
3:32
